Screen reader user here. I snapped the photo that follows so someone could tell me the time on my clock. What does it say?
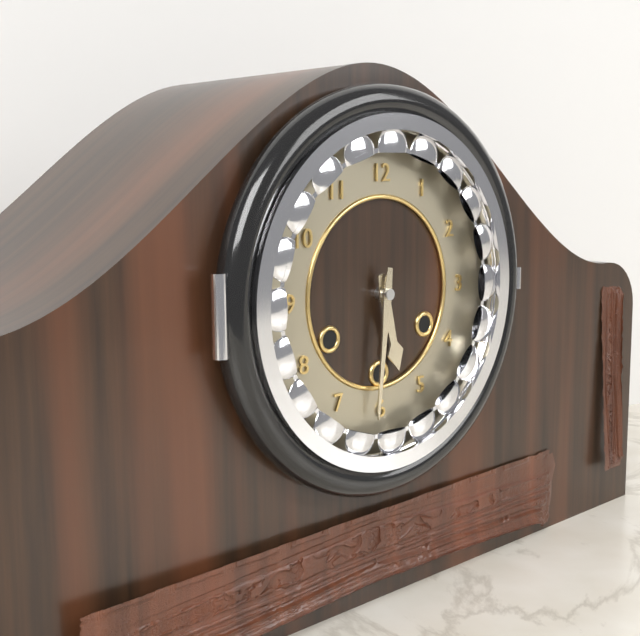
5:31
